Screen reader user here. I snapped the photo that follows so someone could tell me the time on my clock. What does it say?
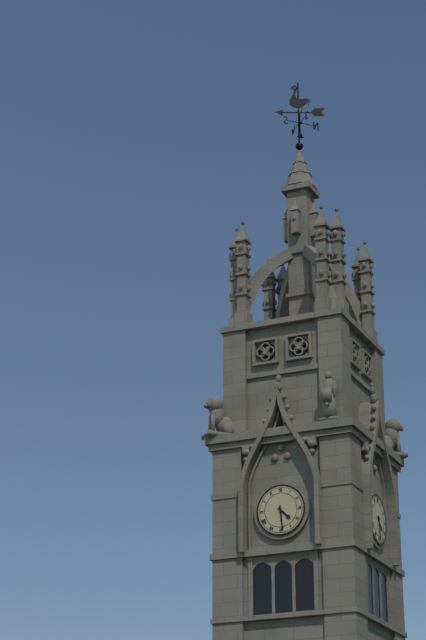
4:29
